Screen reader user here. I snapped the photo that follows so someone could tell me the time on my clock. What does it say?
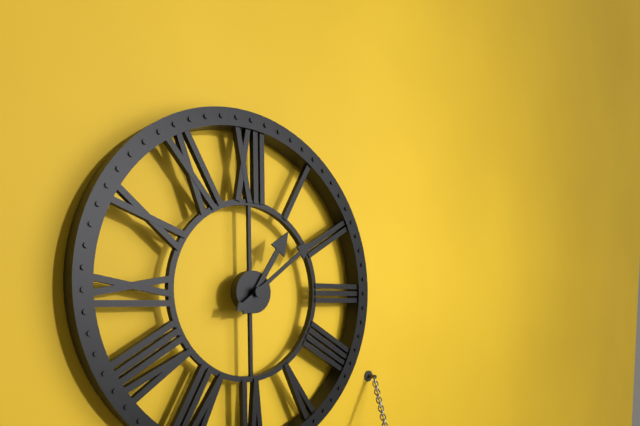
1:09
